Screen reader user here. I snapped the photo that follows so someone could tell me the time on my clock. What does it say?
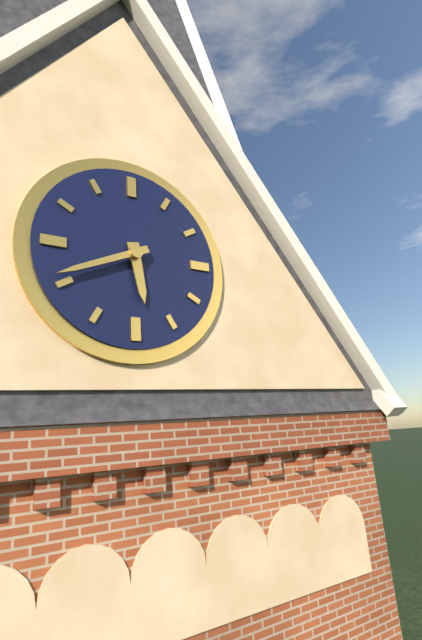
5:41
